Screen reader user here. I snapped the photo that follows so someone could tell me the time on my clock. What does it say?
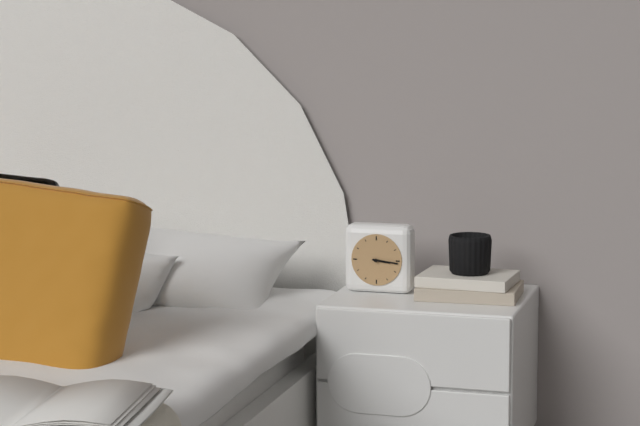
3:16
